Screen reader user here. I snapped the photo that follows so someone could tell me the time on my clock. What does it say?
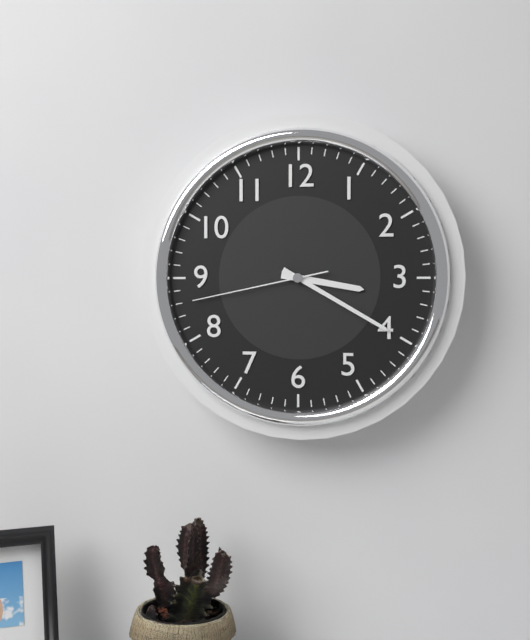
3:20:43
